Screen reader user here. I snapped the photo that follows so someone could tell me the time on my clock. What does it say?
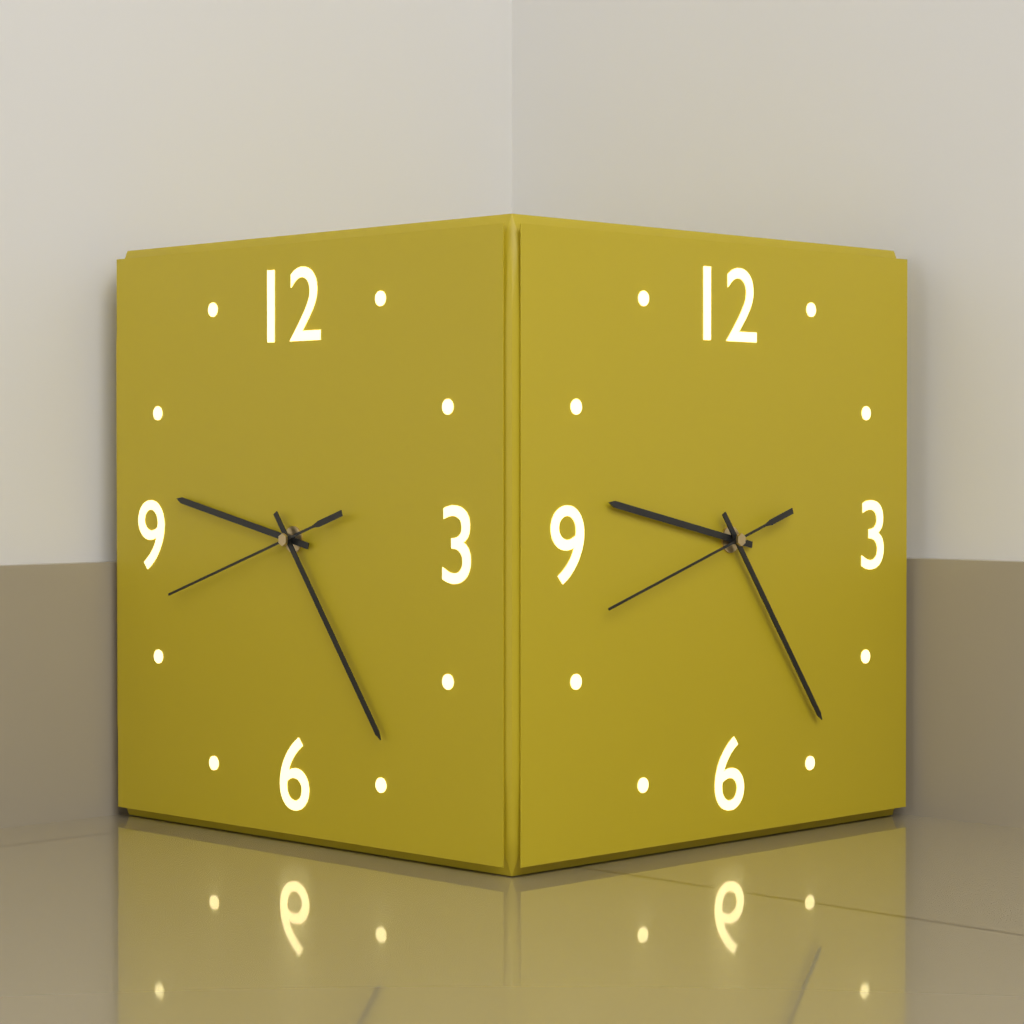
9:24:42
